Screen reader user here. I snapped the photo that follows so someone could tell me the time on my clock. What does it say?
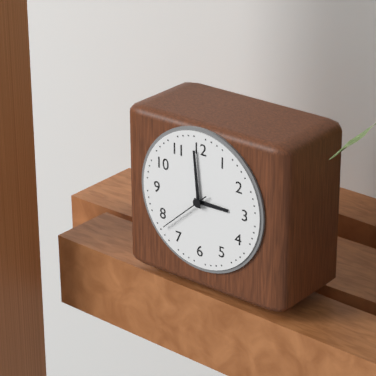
2:59:38
